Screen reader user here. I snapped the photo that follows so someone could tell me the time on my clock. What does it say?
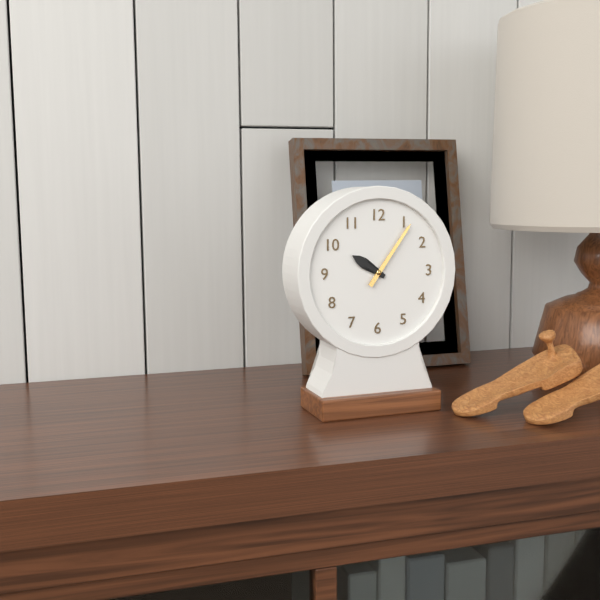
10:06
